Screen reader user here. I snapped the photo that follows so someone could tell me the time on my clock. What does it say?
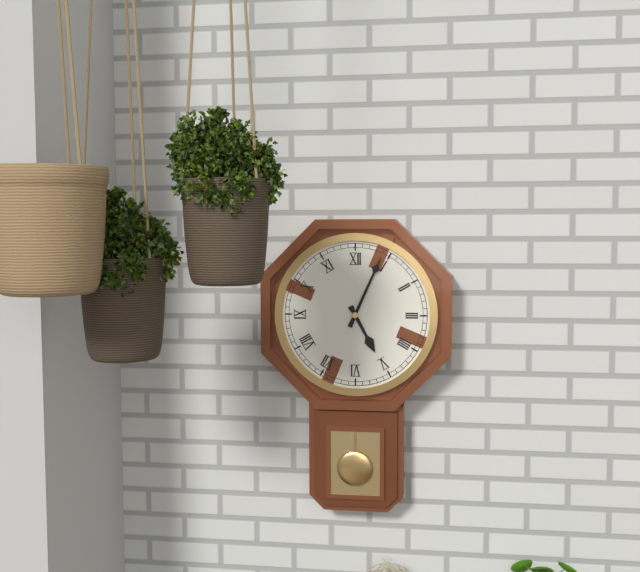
5:04
